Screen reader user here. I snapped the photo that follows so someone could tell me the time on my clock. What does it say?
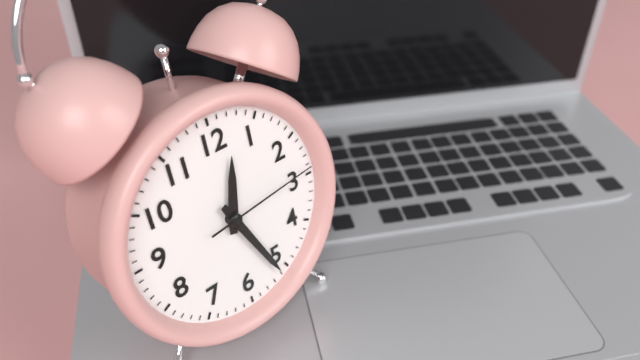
12:26:14
